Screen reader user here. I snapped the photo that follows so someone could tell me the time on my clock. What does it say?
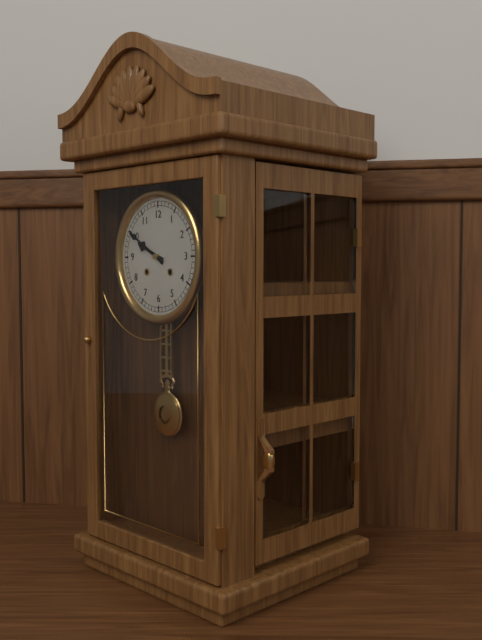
9:50
